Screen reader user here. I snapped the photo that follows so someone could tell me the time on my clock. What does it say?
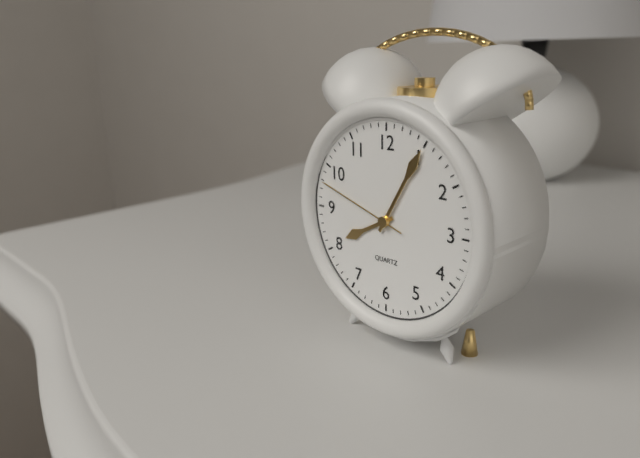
8:05:48
